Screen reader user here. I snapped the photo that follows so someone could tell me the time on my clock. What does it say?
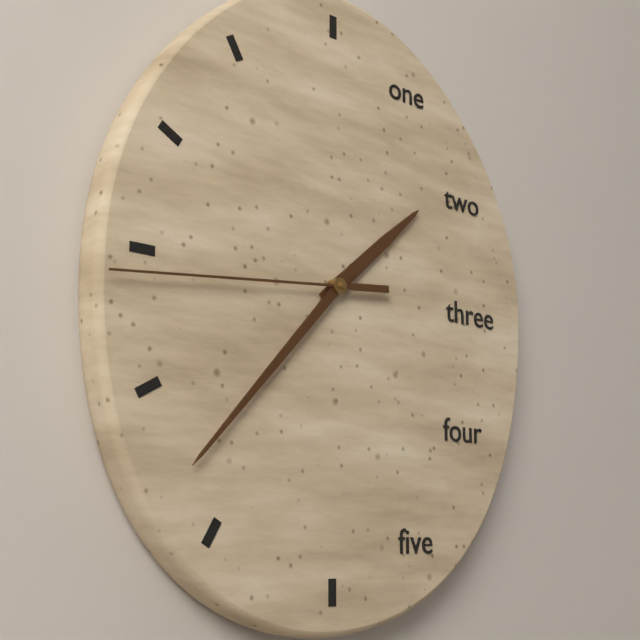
1:37:44
